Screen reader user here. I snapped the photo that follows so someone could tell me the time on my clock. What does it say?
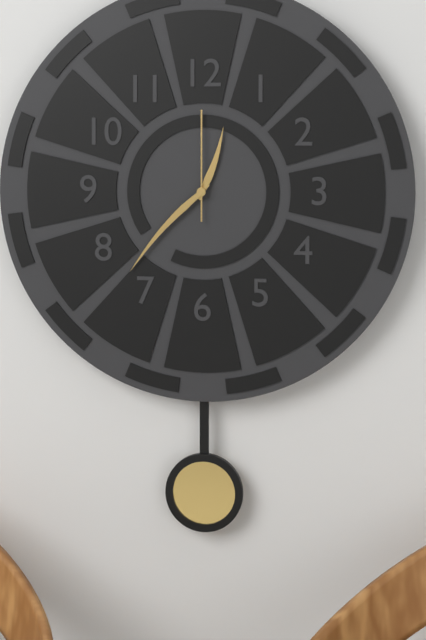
12:37:00
